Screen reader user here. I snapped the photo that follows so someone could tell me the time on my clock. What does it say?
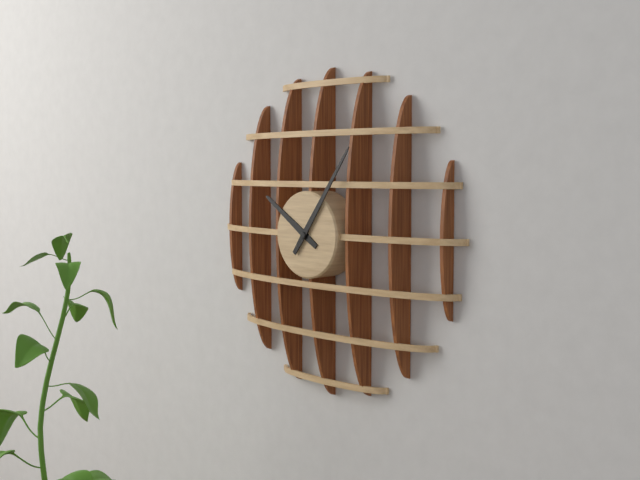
10:06
